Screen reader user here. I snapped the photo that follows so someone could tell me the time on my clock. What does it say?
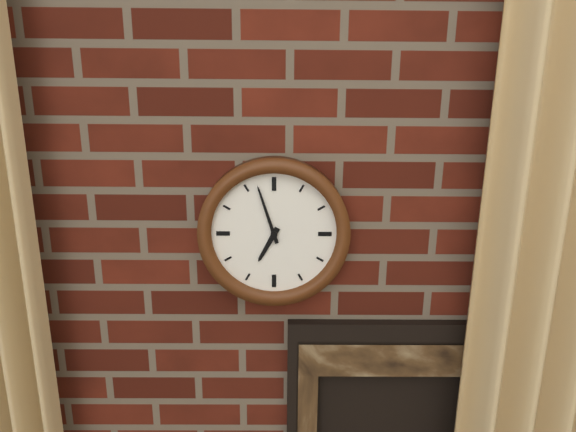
6:57
